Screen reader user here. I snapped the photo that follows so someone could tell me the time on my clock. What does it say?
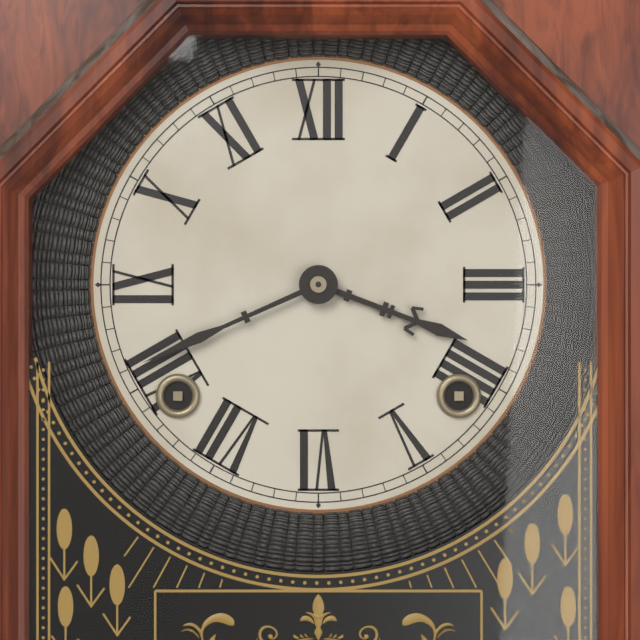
3:41
